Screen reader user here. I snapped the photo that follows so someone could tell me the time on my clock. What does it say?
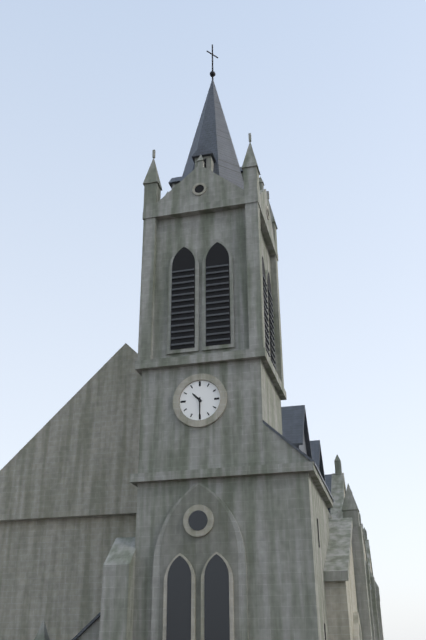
10:30
